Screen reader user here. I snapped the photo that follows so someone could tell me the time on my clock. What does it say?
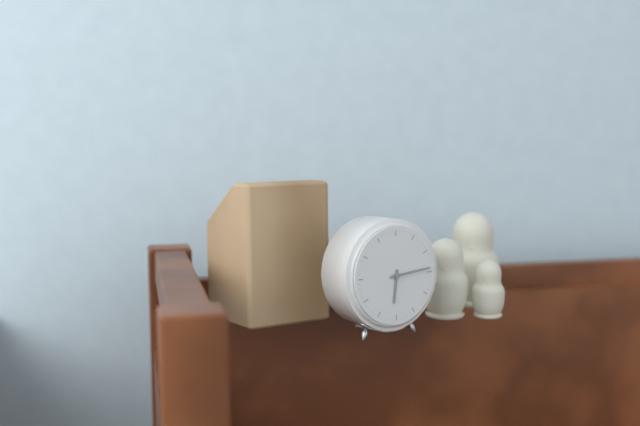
6:14
